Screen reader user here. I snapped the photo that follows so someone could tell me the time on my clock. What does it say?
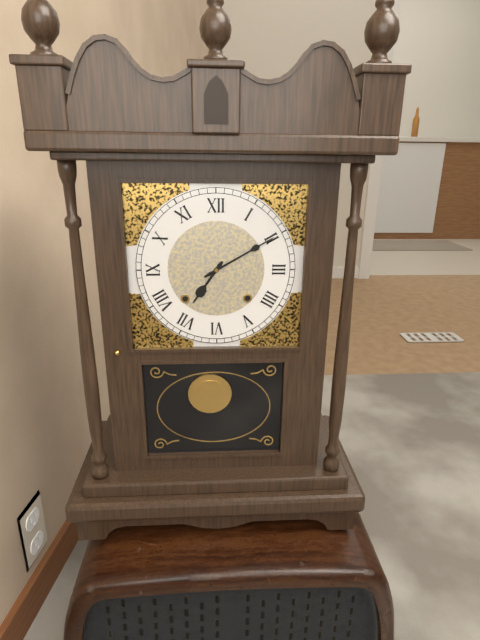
7:10
